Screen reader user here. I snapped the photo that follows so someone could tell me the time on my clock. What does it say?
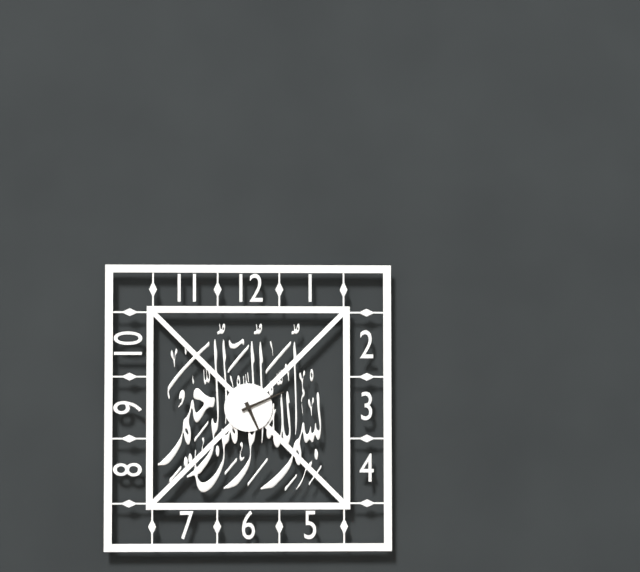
5:11
